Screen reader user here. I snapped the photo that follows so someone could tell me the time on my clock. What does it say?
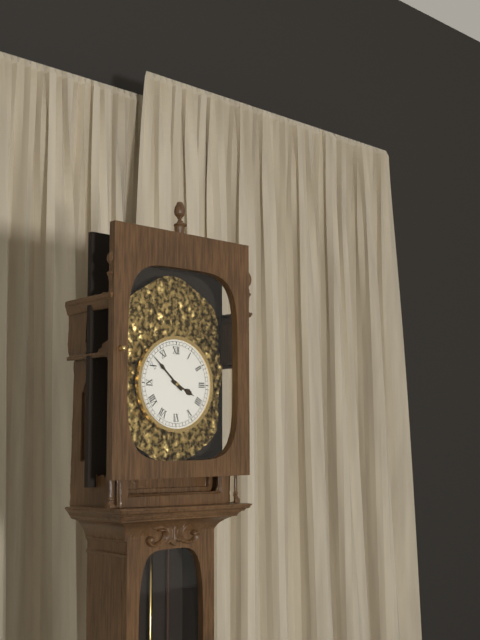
3:52
